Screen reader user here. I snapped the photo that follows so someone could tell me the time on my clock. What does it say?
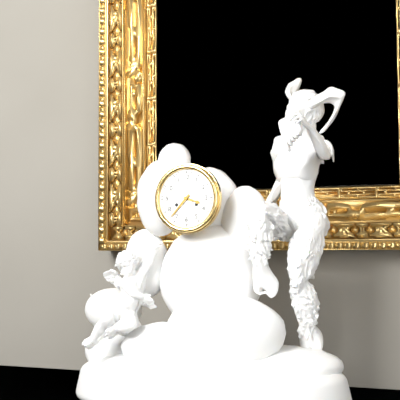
3:37
